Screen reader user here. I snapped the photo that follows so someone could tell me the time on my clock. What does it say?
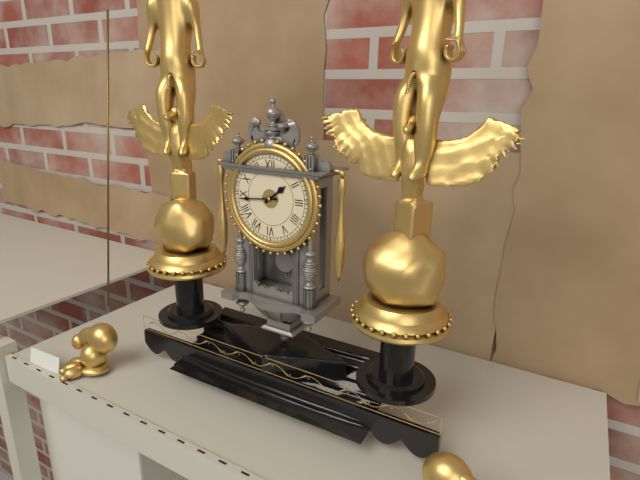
1:44
